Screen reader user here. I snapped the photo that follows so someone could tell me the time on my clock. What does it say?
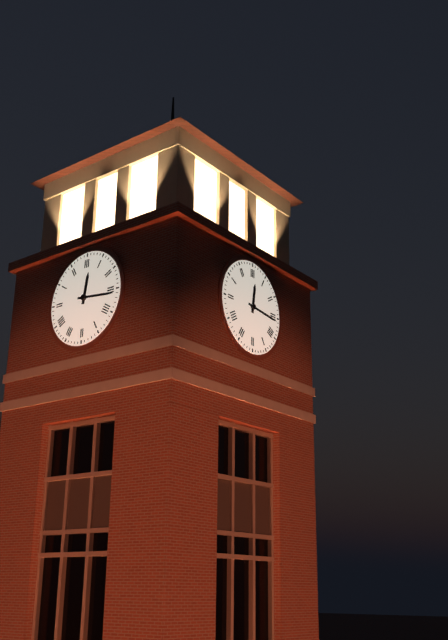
12:16
